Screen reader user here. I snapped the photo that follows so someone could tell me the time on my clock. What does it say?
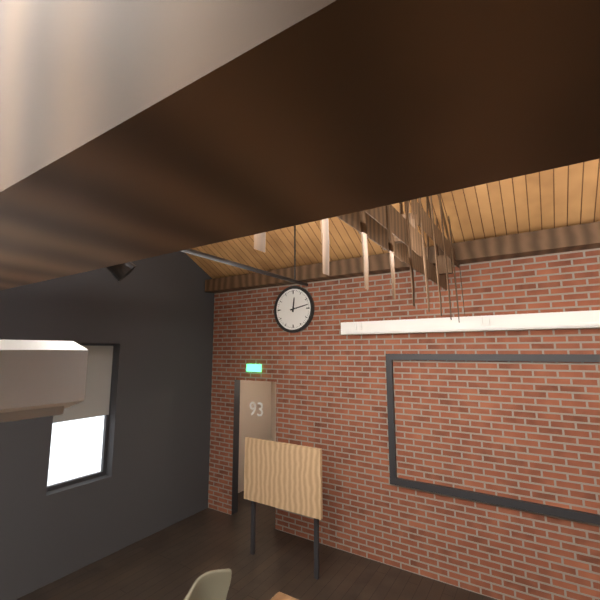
12:13
